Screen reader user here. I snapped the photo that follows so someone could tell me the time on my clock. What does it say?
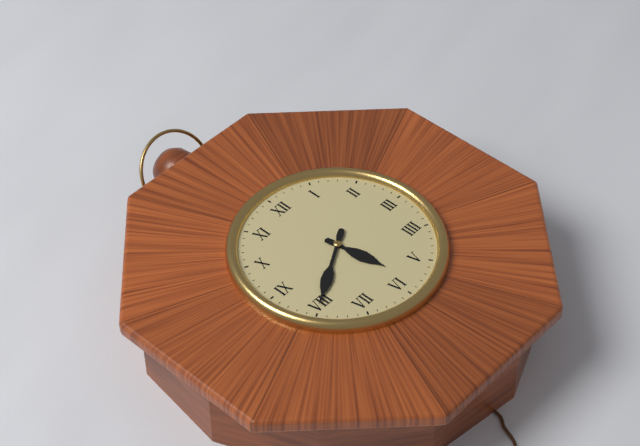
5:40
